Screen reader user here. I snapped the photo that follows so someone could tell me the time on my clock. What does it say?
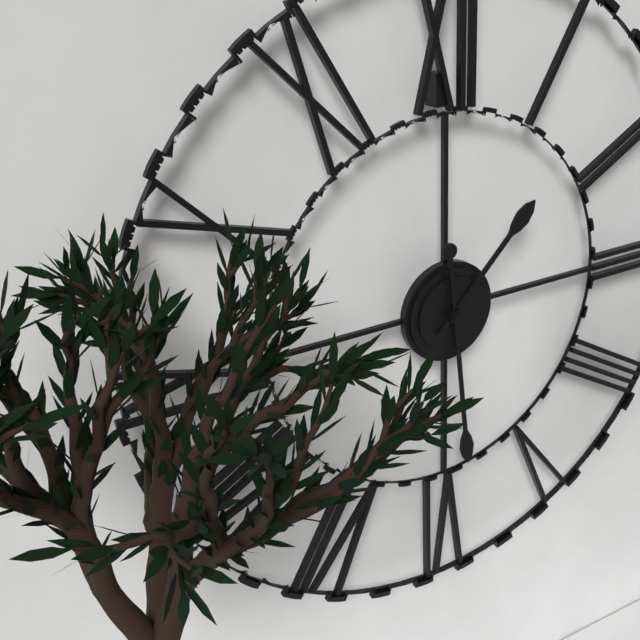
1:29
